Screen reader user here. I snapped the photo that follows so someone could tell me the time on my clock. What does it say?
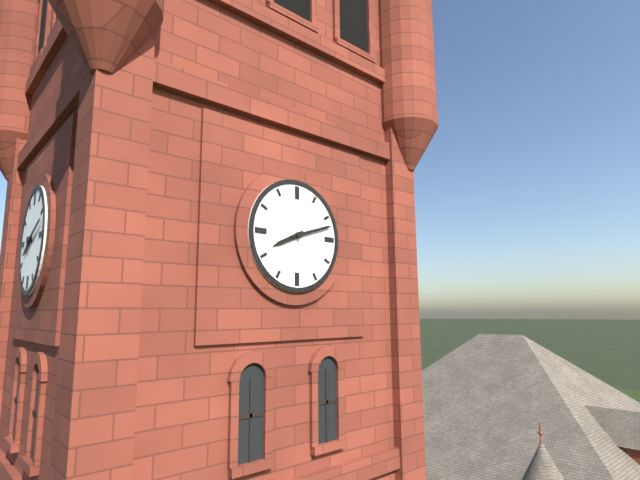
8:12
